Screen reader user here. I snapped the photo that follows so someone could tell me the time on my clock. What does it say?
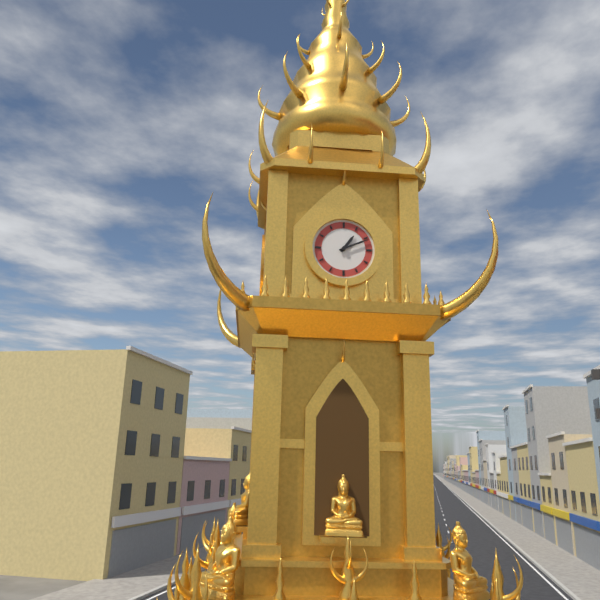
1:11
